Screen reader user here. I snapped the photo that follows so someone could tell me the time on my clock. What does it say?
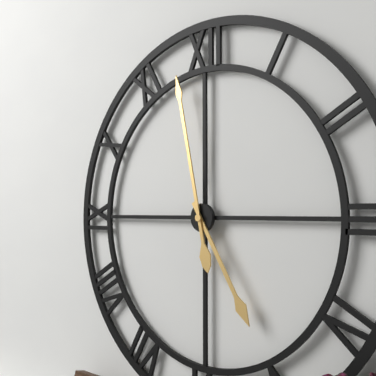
4:58
